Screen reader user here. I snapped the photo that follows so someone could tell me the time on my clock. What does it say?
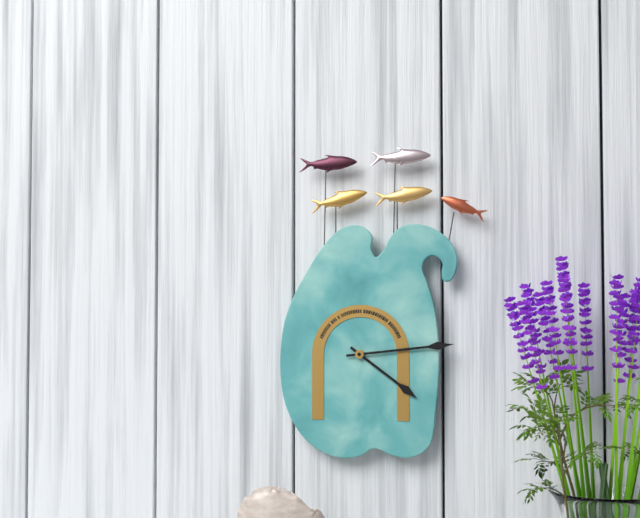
4:14
